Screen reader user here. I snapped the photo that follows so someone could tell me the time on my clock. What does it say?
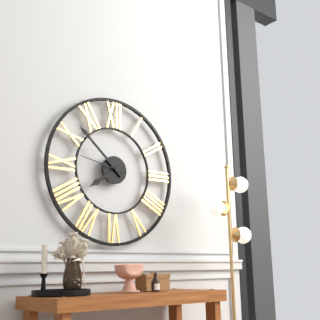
7:52:47
